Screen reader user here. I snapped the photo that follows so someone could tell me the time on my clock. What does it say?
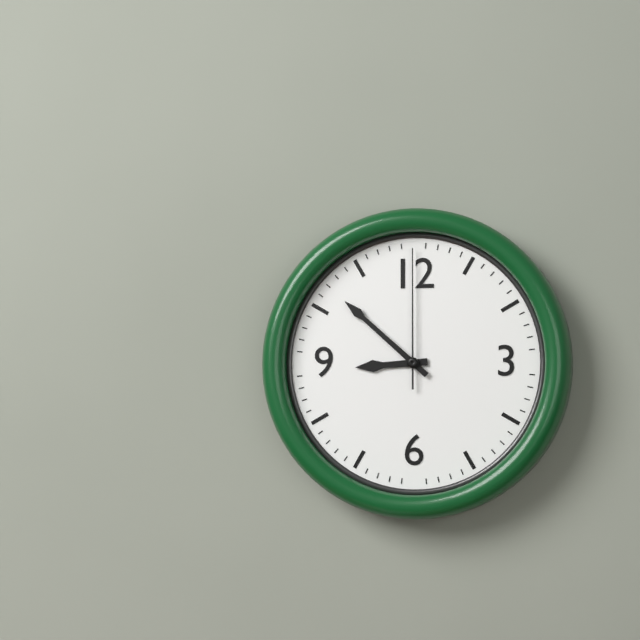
8:52:00
